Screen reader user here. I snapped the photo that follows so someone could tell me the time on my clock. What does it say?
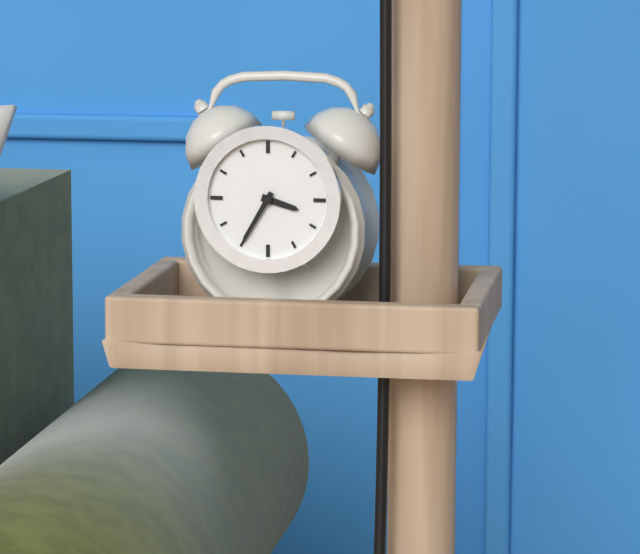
3:35
